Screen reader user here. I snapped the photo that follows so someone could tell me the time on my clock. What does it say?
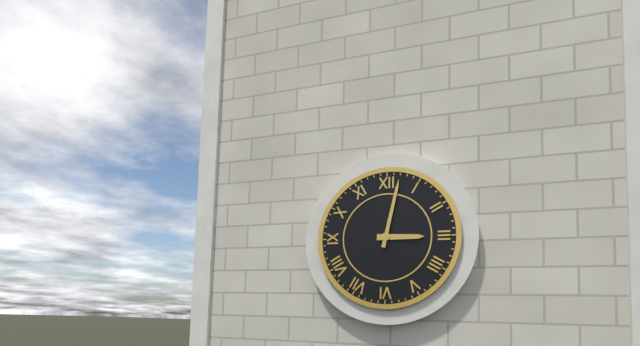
3:02
